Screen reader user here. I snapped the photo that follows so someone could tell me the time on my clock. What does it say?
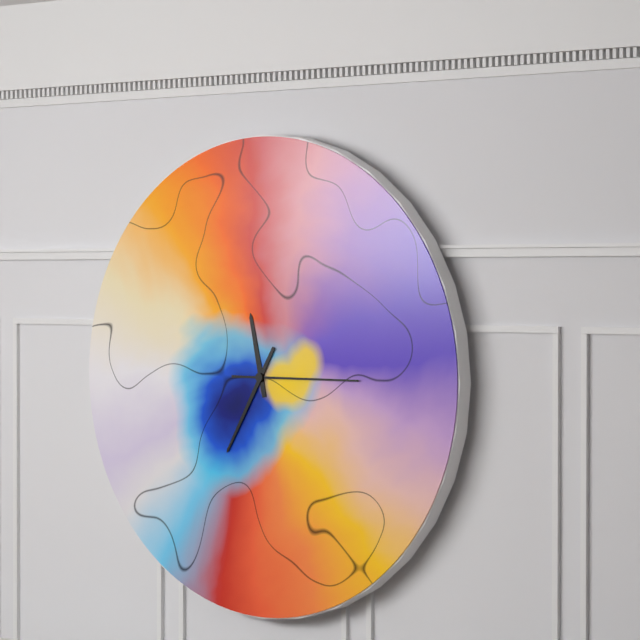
11:35:15
